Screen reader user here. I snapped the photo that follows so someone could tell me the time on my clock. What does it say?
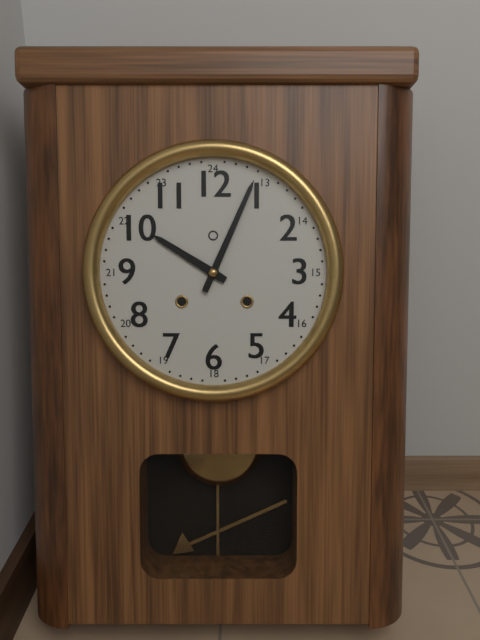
10:04
